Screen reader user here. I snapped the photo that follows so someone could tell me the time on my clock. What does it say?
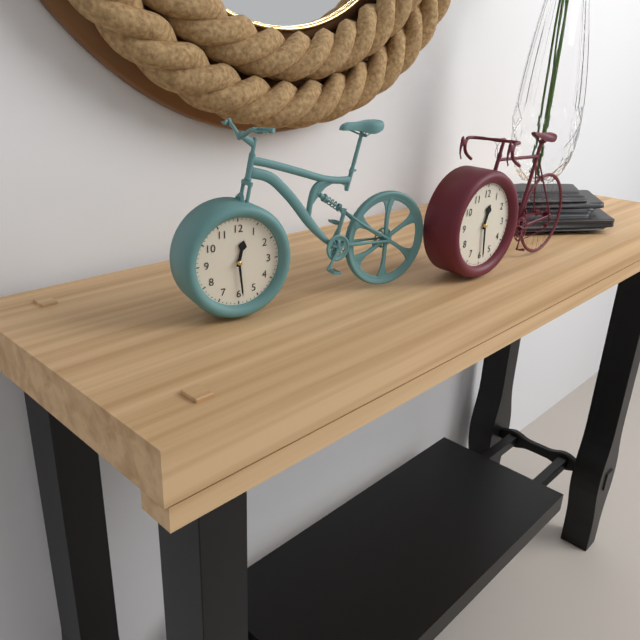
12:29
